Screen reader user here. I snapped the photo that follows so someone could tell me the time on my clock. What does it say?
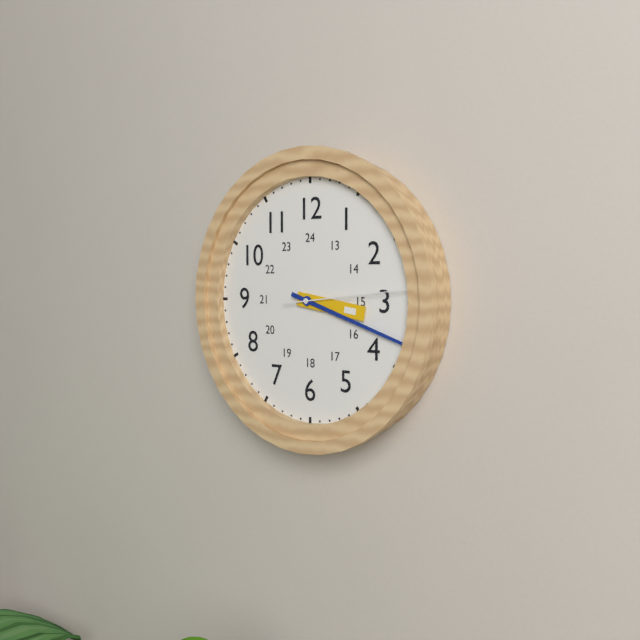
3:18:14
